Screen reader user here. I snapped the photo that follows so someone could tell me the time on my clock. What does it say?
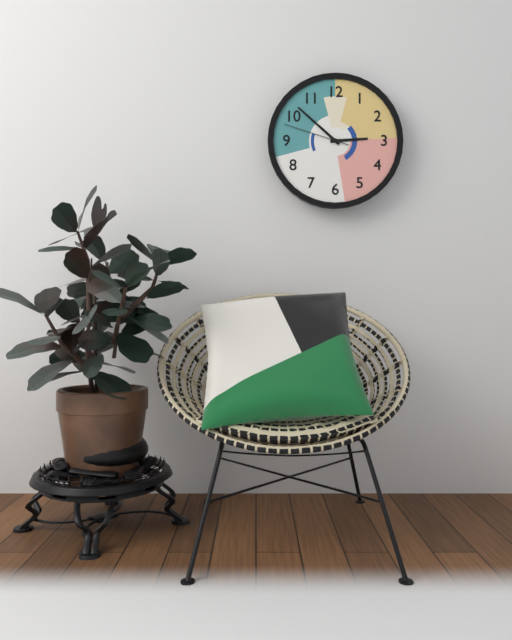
2:52:48
